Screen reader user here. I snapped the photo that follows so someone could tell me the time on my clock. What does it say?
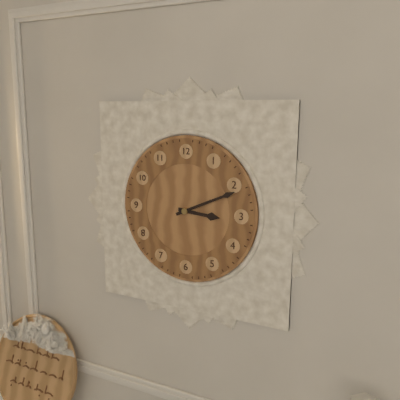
3:11
